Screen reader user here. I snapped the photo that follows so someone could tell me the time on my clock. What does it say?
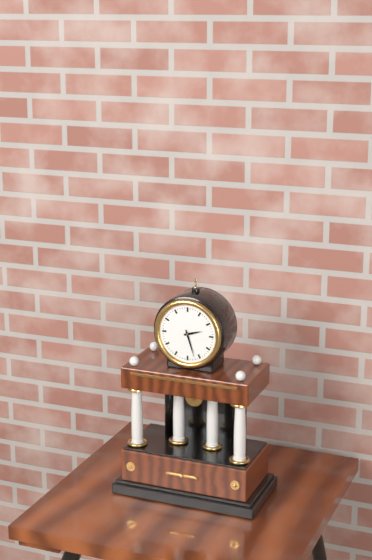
2:27
